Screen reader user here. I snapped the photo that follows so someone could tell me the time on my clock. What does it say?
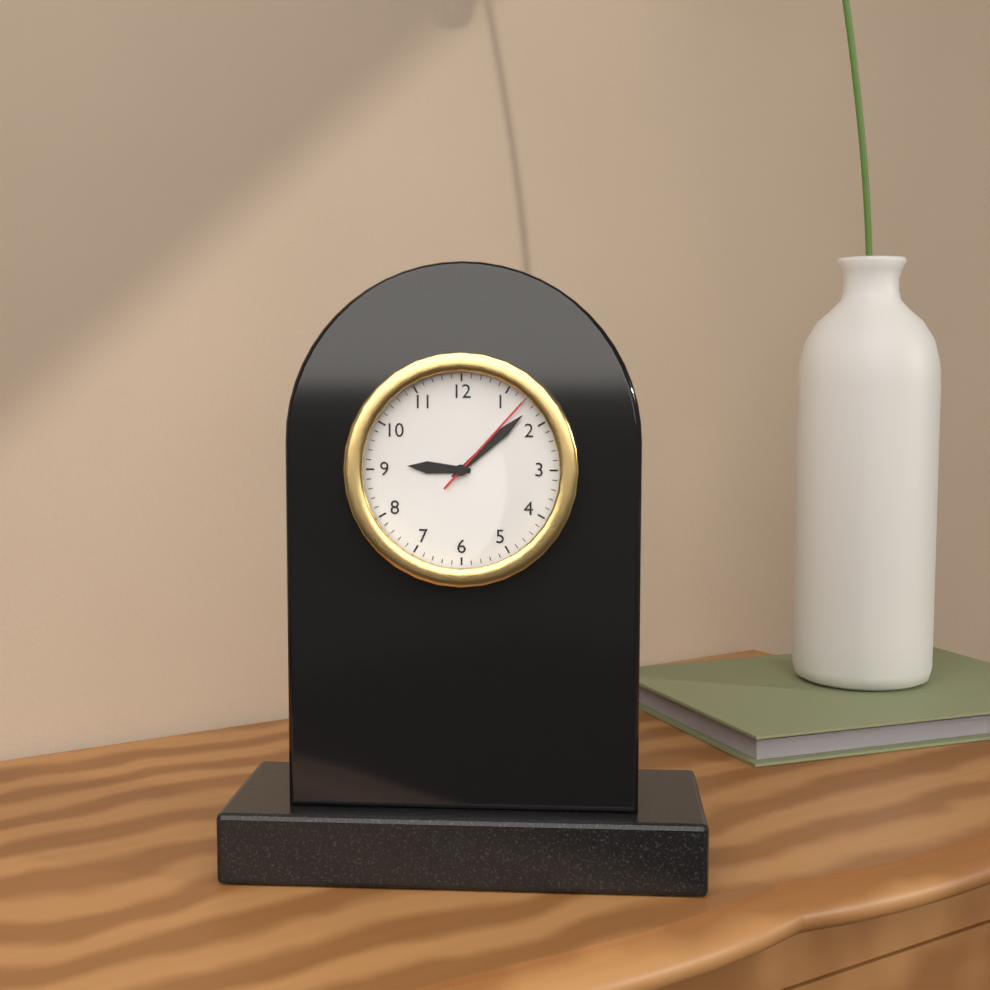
9:08:07
